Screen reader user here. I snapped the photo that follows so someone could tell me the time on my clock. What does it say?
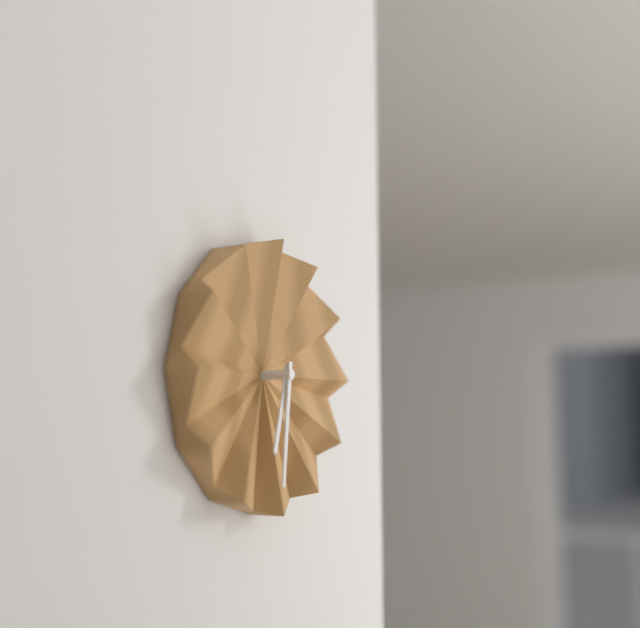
6:31
